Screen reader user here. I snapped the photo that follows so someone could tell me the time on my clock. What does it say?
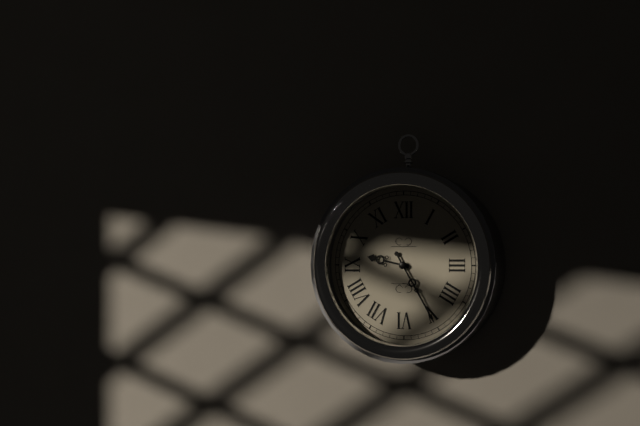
9:25
